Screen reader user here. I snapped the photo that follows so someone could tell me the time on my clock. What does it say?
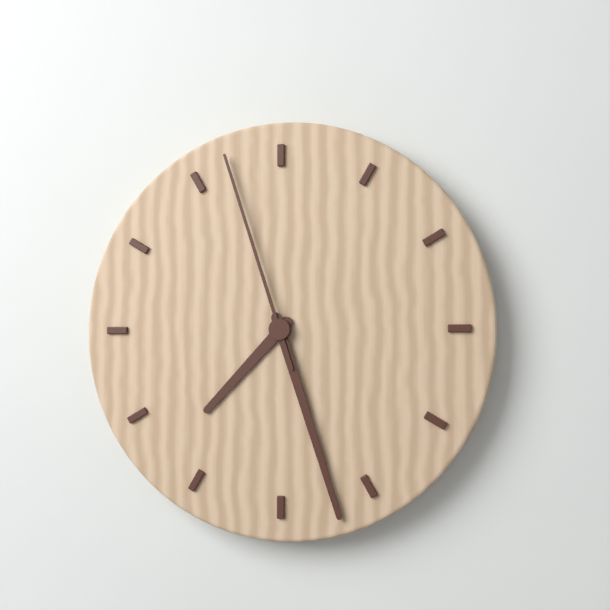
7:27:57
